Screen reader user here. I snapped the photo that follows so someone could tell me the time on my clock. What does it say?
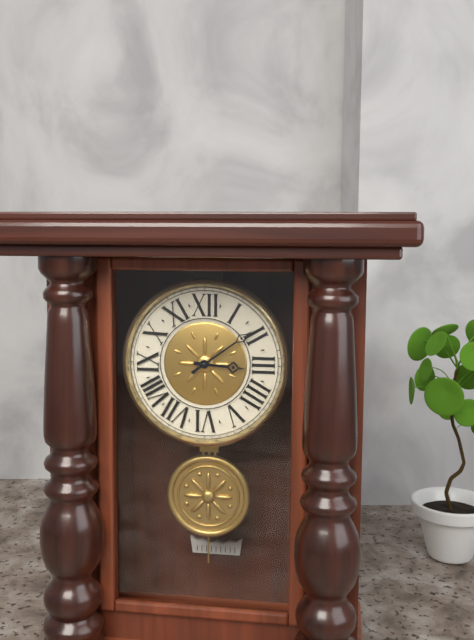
3:09
